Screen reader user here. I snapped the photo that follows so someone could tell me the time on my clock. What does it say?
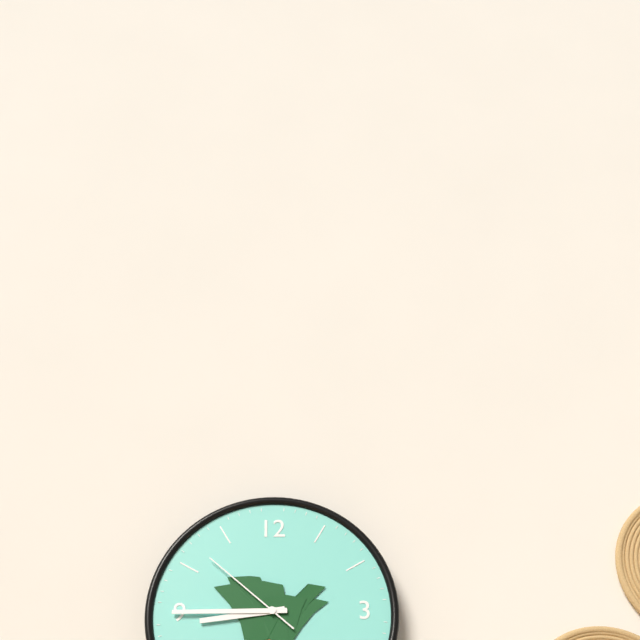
8:45:52
